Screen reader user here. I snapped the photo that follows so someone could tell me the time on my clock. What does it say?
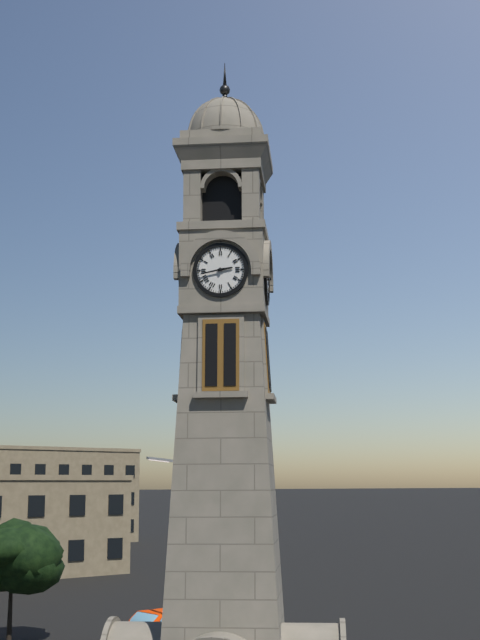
2:43
